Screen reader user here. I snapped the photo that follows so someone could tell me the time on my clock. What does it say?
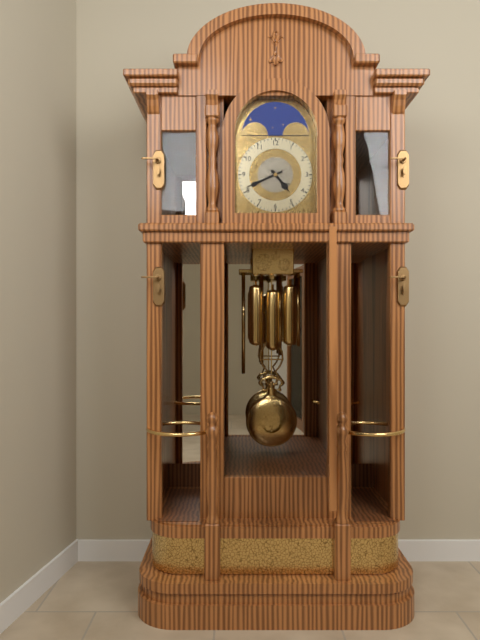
4:41
